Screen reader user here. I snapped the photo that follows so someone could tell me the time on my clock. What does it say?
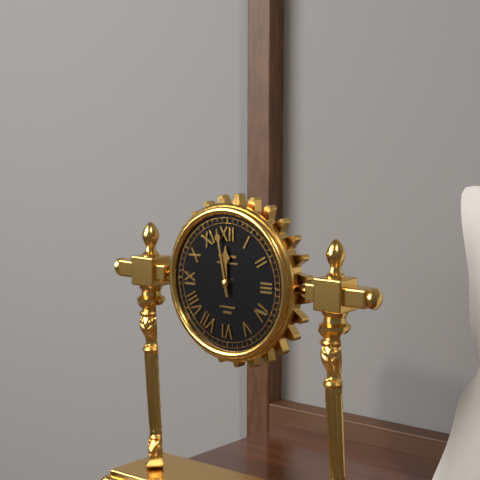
11:58
